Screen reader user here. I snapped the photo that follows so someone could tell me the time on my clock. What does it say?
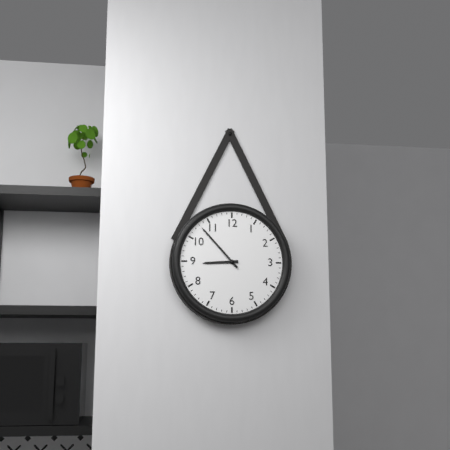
8:53
